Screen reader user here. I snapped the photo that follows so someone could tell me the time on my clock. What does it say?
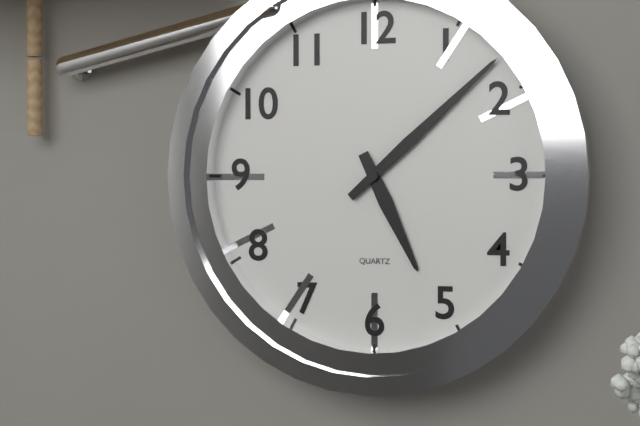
5:08
